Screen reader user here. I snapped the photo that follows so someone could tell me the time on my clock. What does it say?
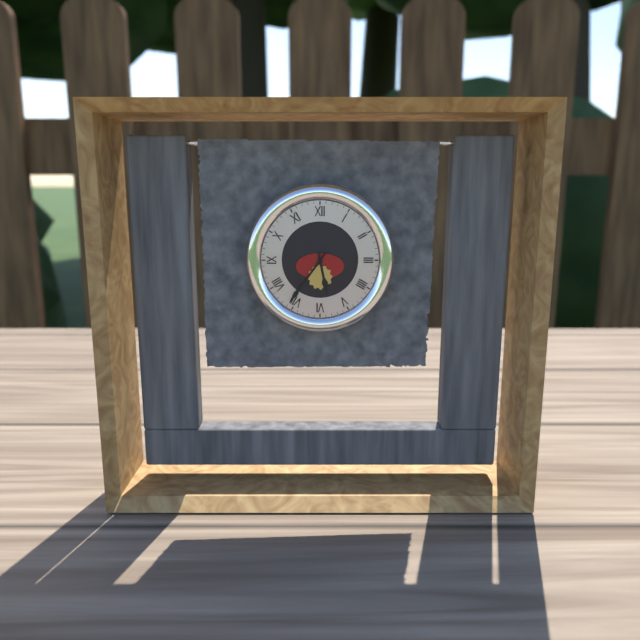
5:36
